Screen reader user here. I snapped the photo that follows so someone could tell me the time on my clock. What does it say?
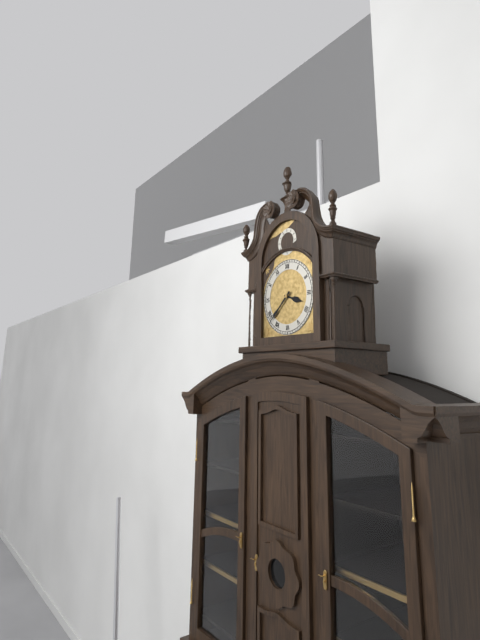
3:38
